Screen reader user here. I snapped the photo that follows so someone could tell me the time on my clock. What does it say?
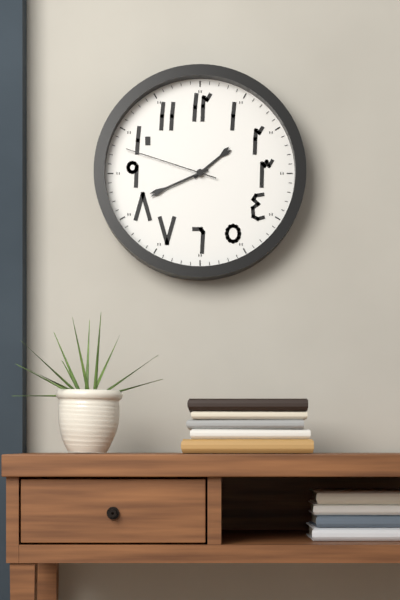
1:41:48
